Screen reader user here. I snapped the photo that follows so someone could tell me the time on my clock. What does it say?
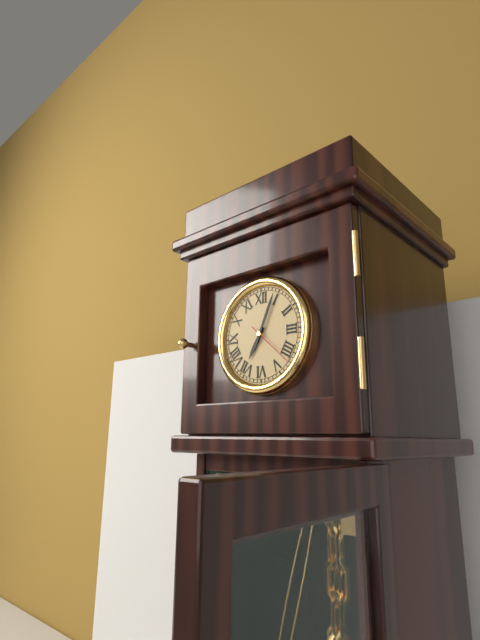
7:04
